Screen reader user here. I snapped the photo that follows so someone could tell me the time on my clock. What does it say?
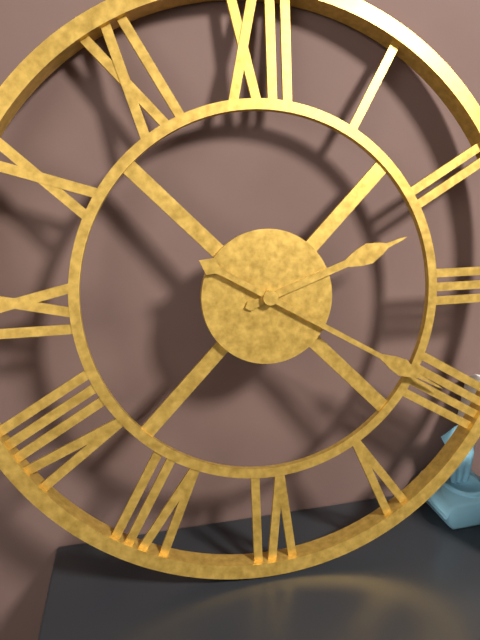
2:20
